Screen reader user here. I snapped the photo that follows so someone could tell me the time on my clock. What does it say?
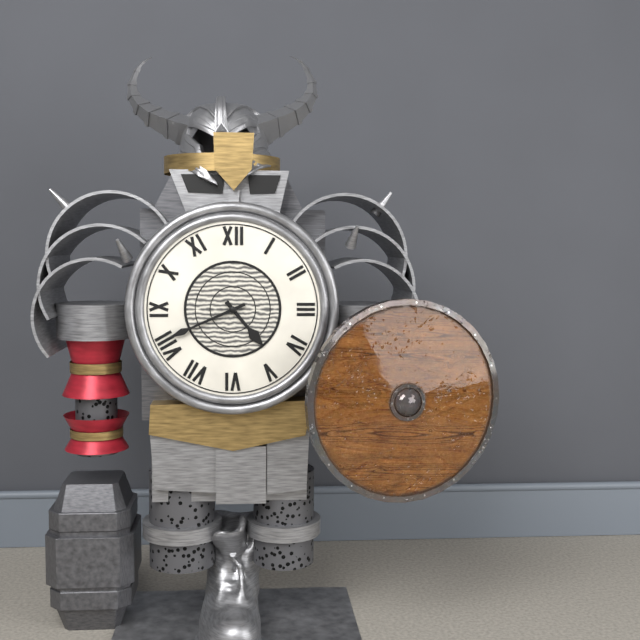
4:41
